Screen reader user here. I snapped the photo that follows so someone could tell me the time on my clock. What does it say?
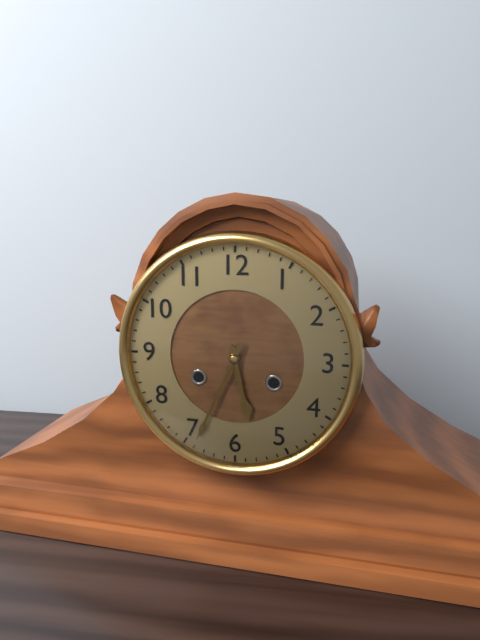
5:34
